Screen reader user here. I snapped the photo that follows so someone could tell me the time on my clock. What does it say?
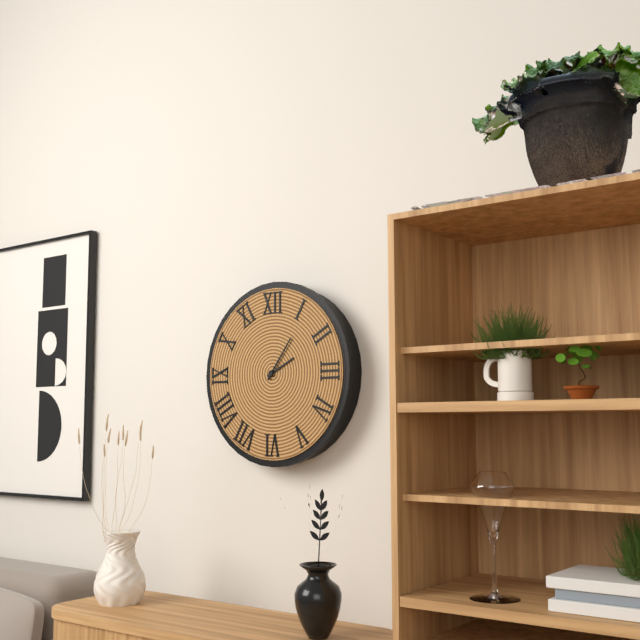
2:06
